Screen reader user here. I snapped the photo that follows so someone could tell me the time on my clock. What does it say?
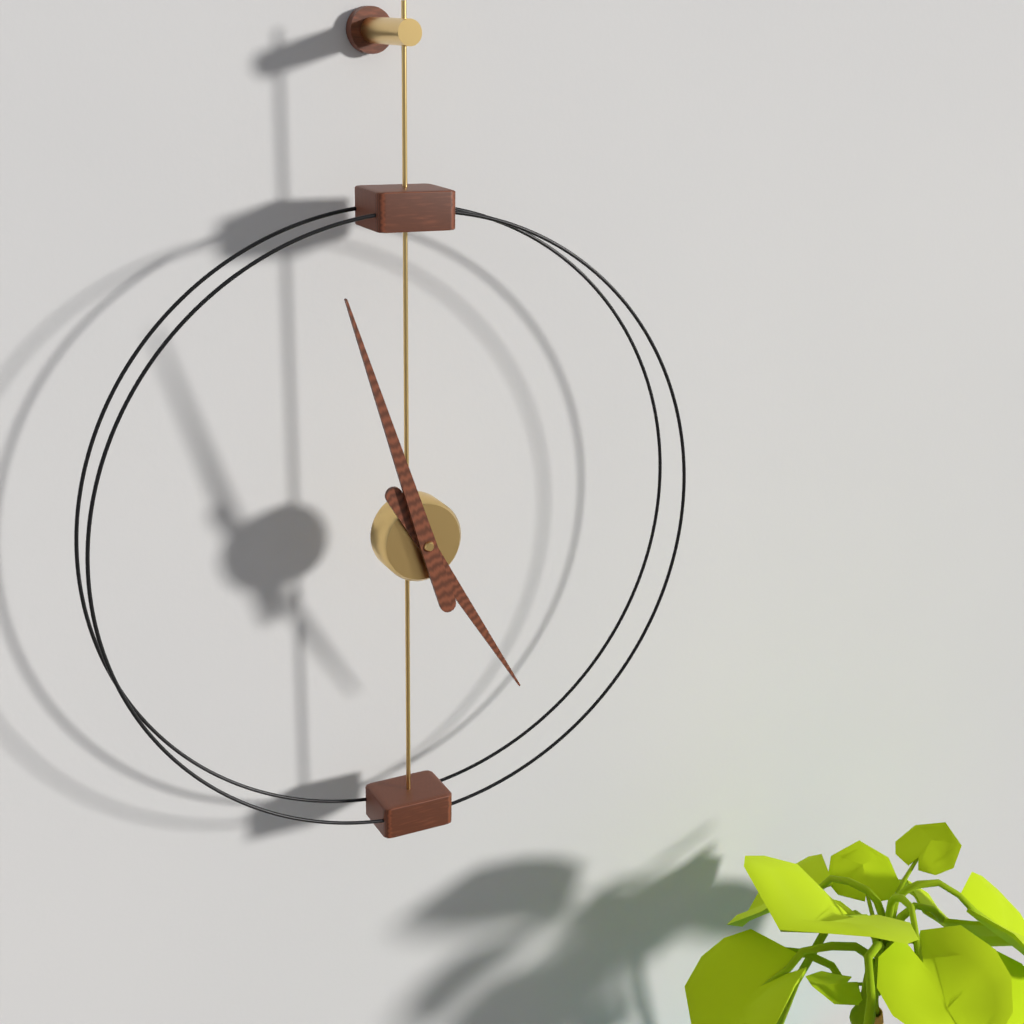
4:57
